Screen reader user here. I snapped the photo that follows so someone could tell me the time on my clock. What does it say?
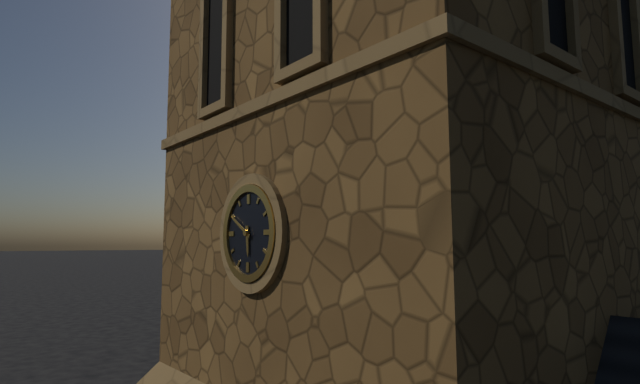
5:50
